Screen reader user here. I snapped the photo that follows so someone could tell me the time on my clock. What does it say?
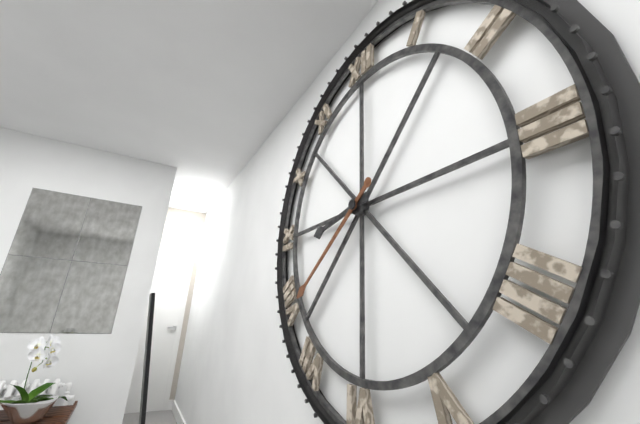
8:39
